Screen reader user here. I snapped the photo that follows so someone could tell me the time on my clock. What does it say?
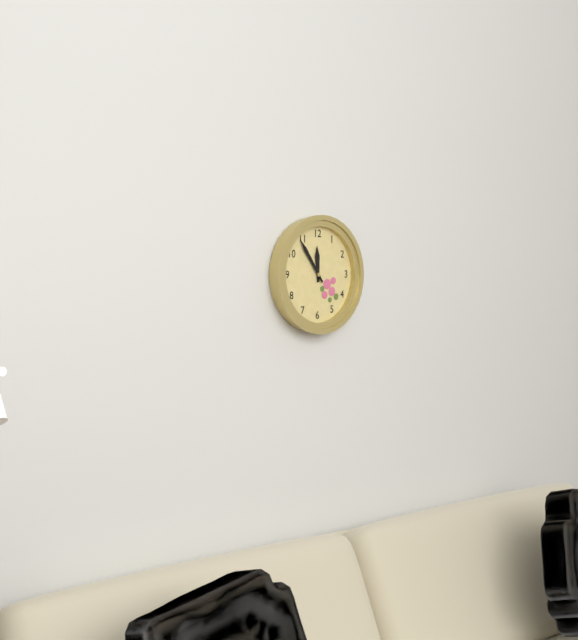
11:54
